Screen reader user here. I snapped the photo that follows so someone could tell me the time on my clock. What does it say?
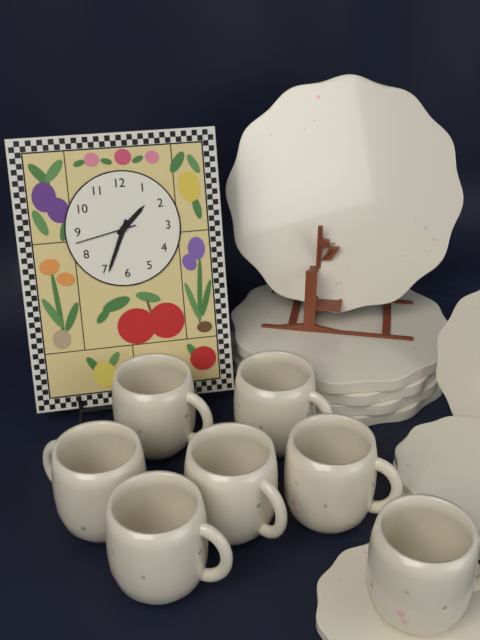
1:34:43
